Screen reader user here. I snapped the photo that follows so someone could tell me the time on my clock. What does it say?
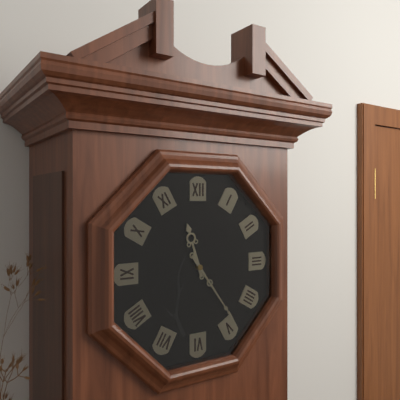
11:24
